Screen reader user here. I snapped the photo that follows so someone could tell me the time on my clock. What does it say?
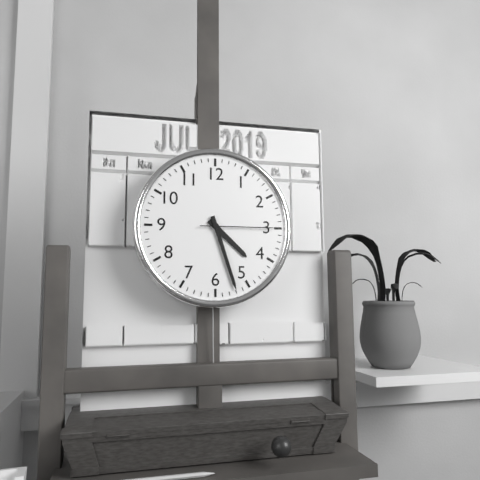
4:27:15
